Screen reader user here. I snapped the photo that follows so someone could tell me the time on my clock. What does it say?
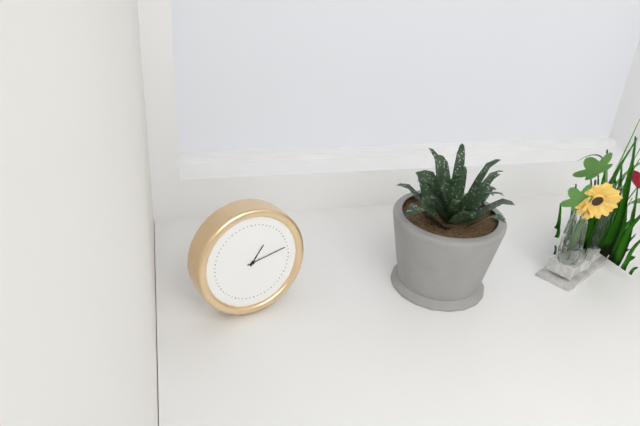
1:13
